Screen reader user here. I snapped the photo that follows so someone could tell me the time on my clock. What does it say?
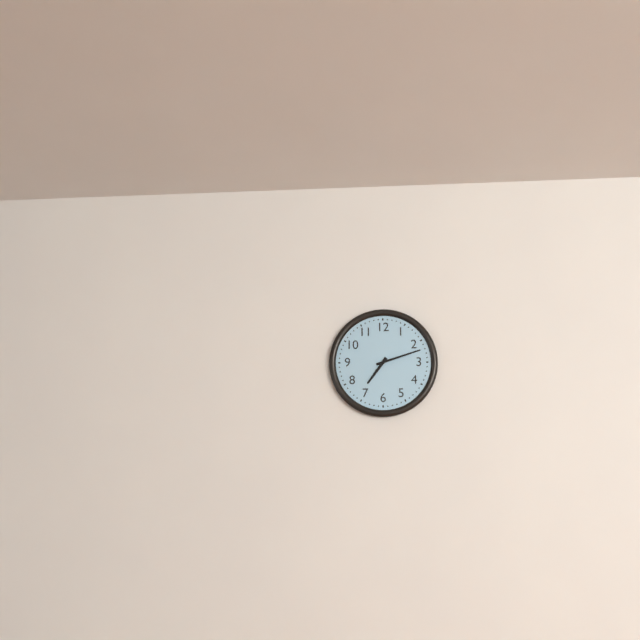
7:12
